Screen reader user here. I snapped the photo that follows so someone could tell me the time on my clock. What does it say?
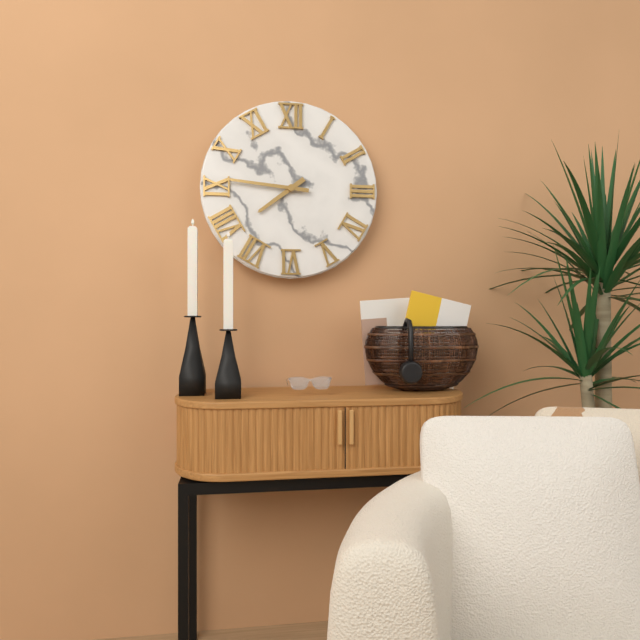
7:46
